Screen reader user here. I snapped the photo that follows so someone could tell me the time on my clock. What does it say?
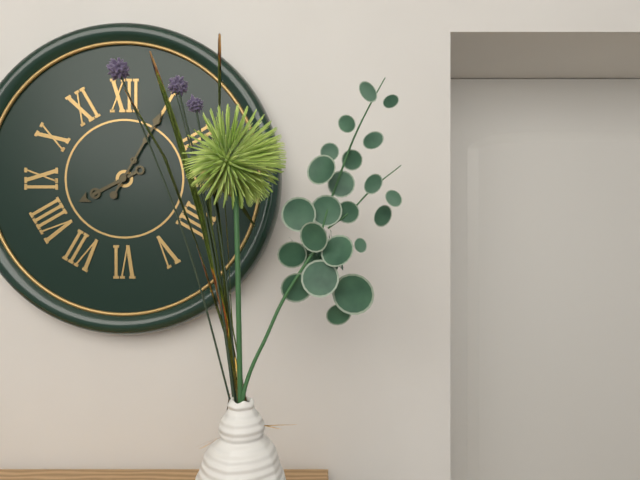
8:05
